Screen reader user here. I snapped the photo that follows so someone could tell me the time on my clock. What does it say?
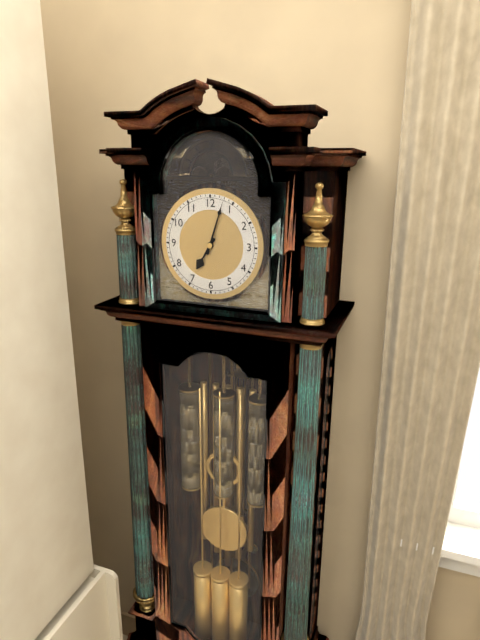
7:03
